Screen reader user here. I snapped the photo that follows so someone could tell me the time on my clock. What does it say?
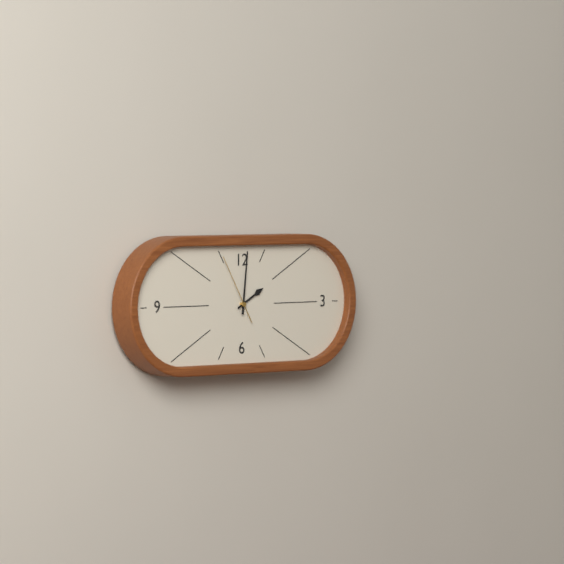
2:01:55
